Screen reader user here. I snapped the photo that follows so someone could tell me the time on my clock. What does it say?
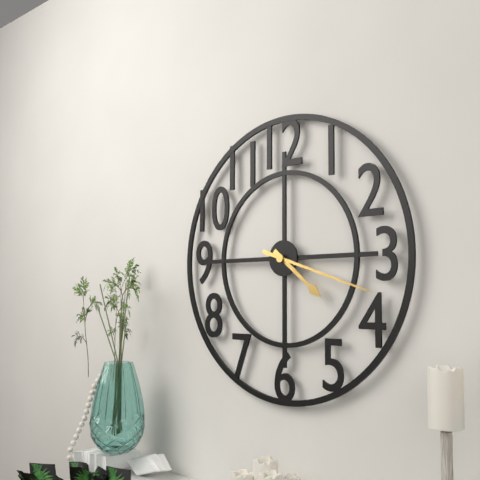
4:18
